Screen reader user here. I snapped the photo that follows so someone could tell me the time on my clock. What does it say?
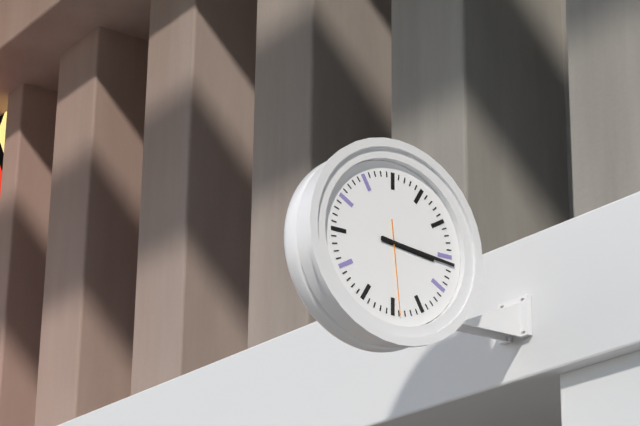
3:16:29
